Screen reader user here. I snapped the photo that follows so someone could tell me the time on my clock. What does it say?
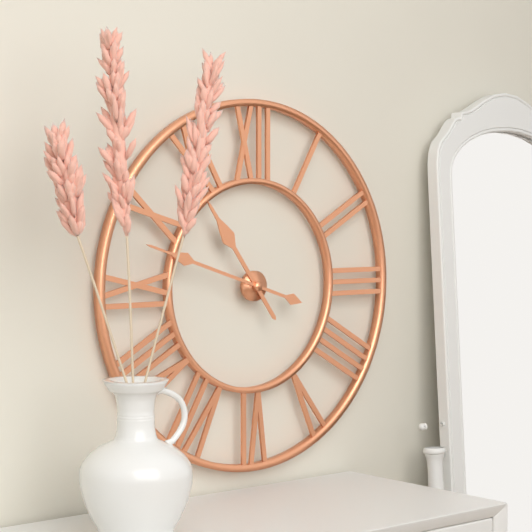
10:48
